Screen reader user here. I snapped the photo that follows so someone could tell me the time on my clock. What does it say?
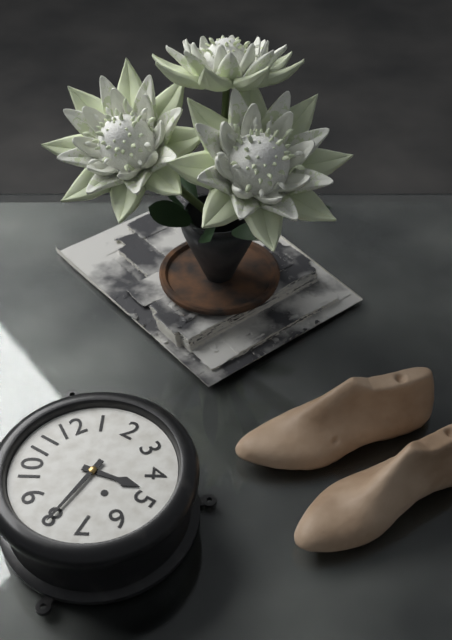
4:40
